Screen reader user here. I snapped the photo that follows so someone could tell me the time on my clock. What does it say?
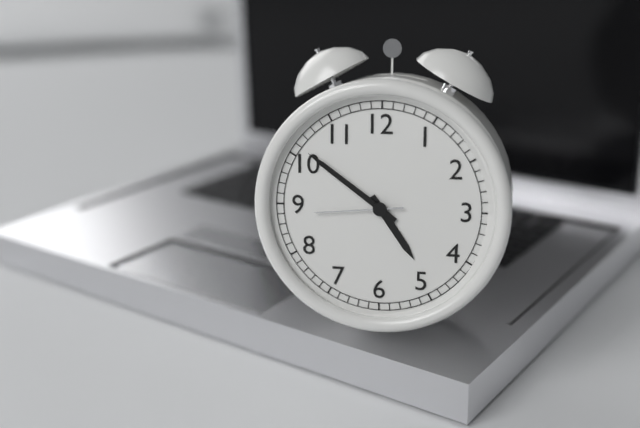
4:51:44
